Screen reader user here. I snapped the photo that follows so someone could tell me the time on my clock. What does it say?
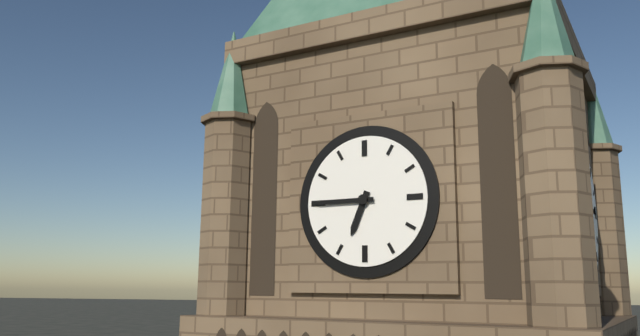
6:45
